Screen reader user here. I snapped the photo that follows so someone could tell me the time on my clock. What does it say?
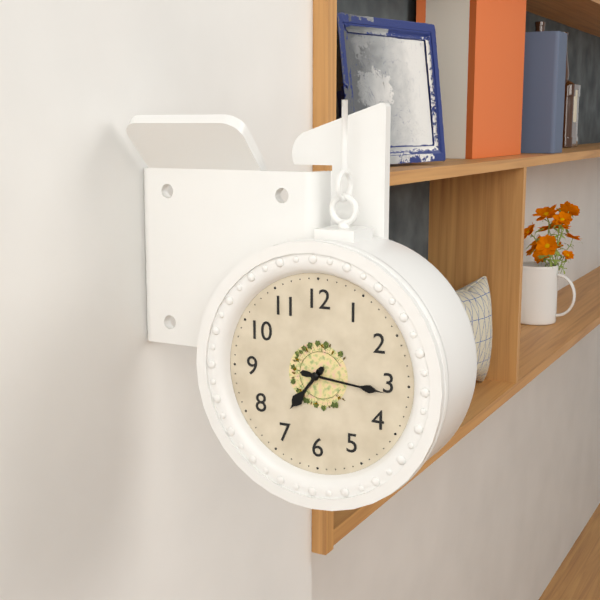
7:16
